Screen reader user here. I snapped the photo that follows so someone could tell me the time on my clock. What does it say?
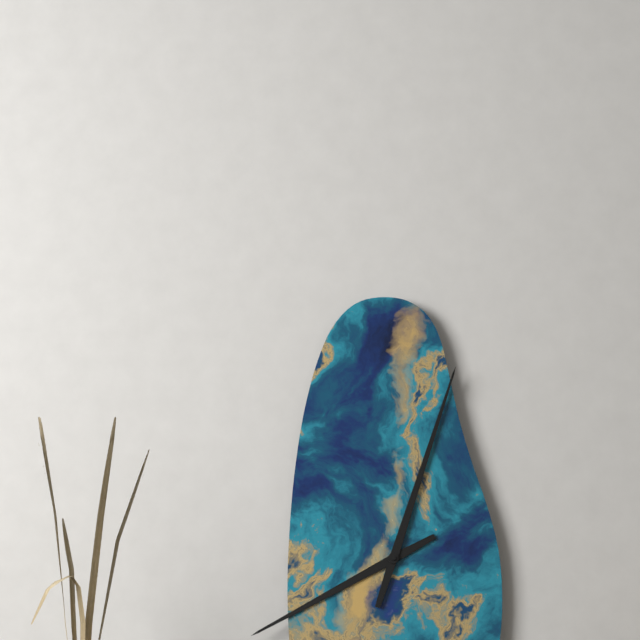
8:03
